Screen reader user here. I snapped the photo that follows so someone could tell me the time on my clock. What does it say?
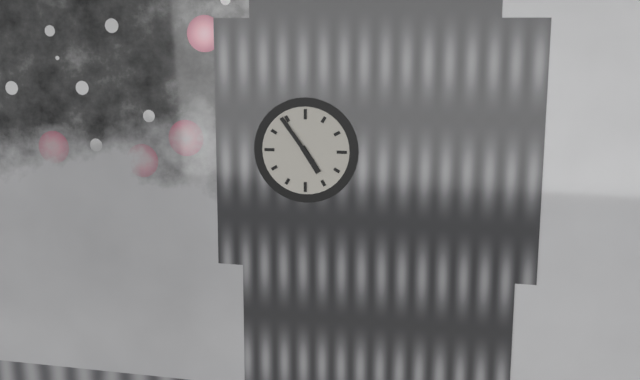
4:54
